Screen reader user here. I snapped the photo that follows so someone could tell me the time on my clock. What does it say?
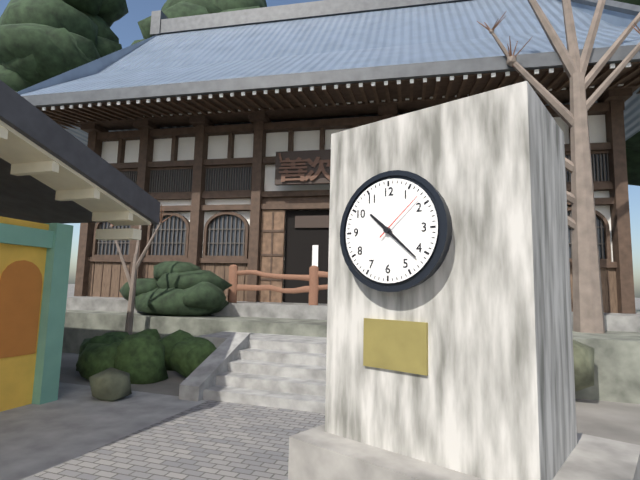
10:22:08
